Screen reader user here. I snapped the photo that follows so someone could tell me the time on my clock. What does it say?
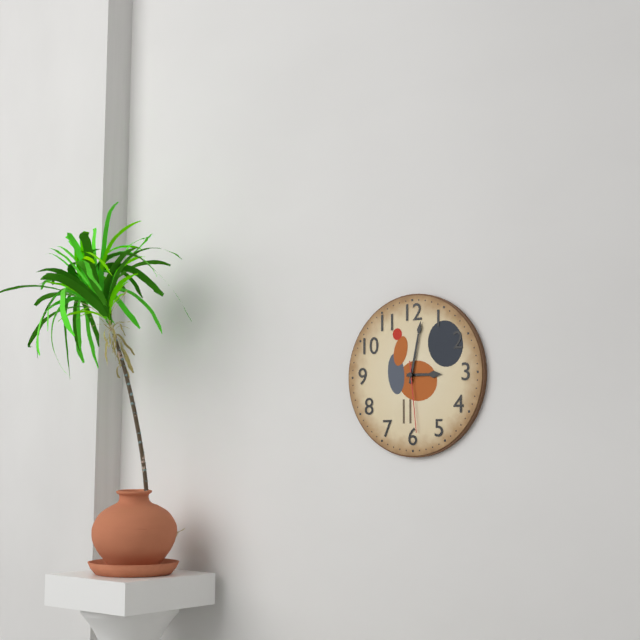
3:02:29
